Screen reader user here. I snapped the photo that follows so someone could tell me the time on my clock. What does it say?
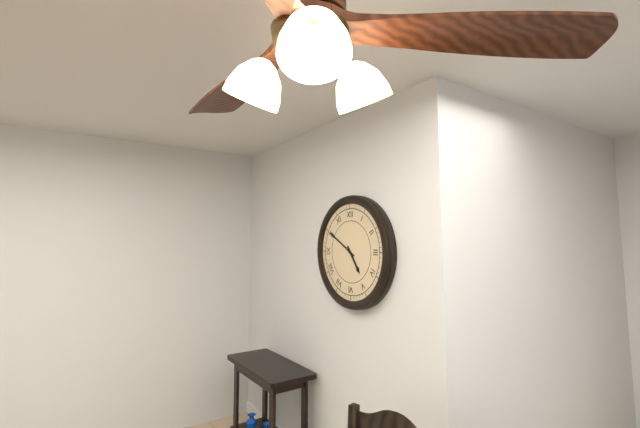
4:50
